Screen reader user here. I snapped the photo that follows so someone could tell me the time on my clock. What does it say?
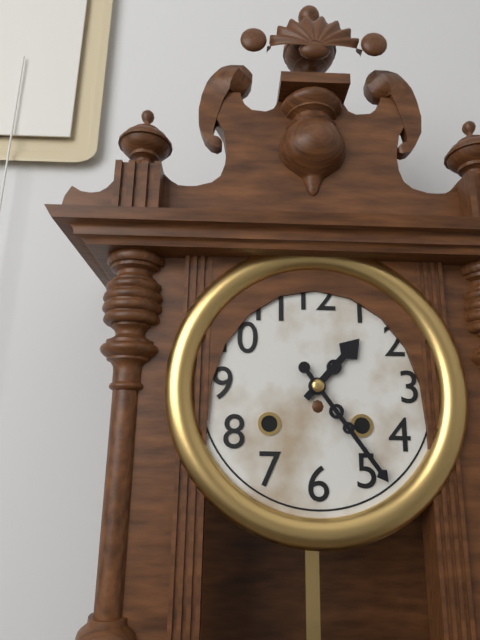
1:24
